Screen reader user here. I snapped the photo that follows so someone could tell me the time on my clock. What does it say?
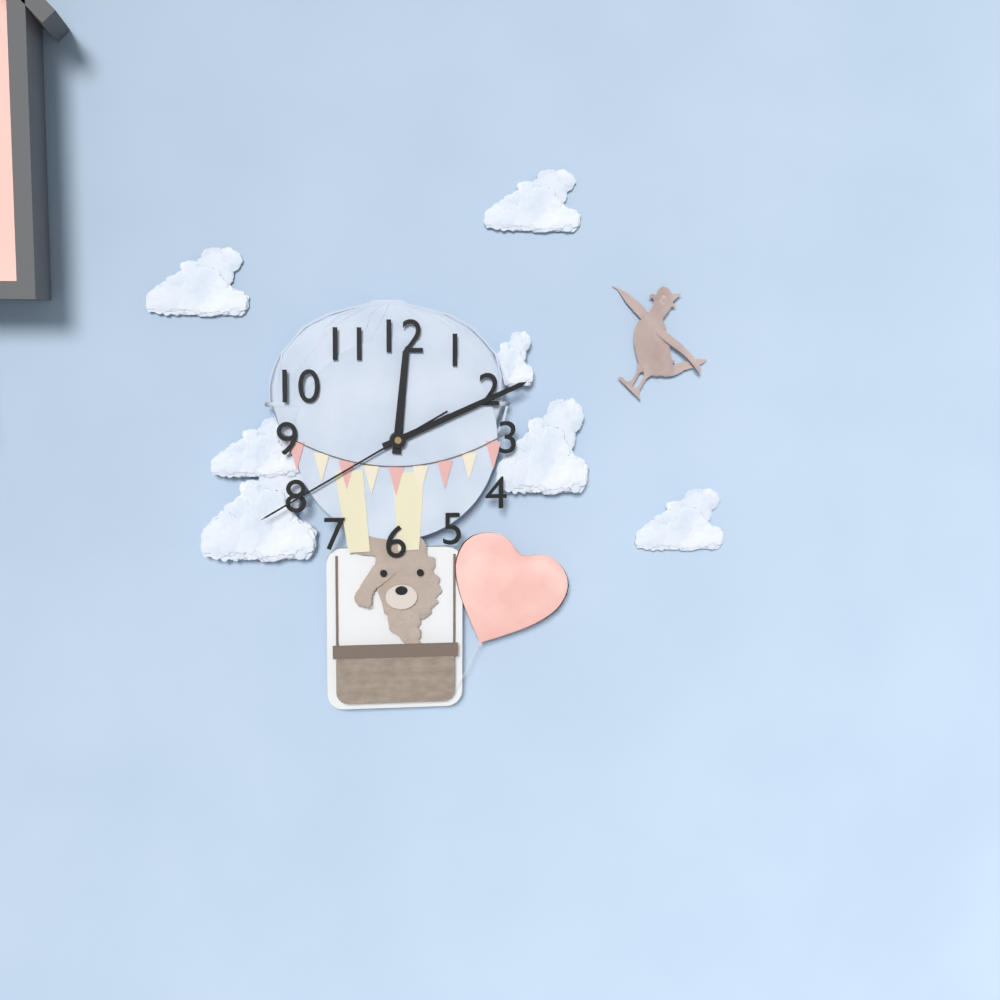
12:11:40
